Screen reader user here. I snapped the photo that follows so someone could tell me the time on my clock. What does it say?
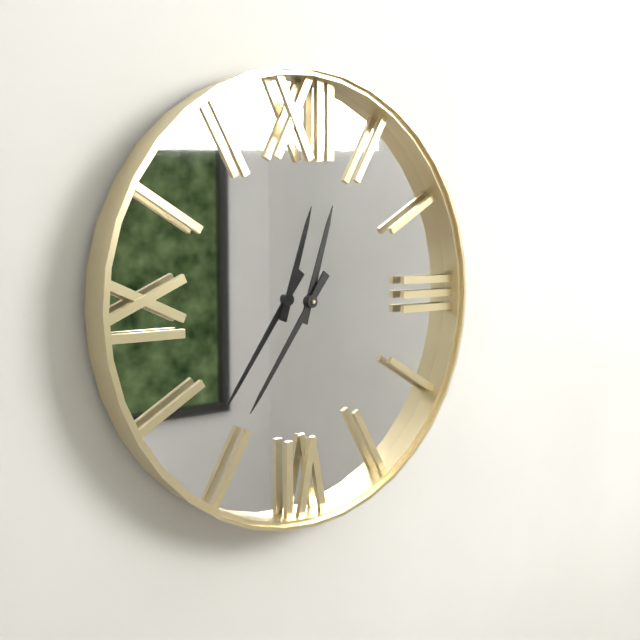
12:36
